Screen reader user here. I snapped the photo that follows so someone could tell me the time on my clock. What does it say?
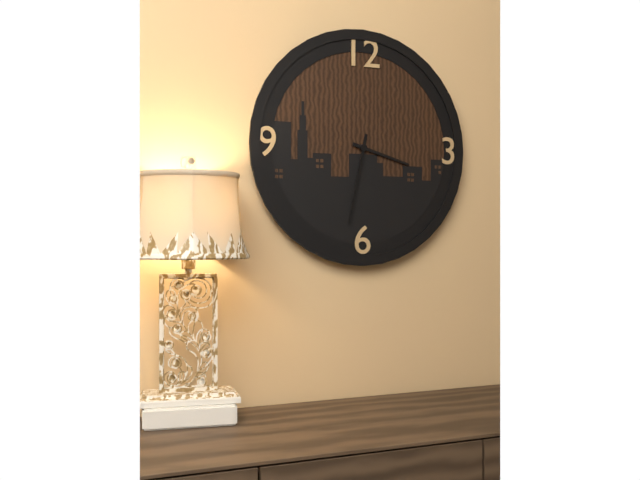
3:32
